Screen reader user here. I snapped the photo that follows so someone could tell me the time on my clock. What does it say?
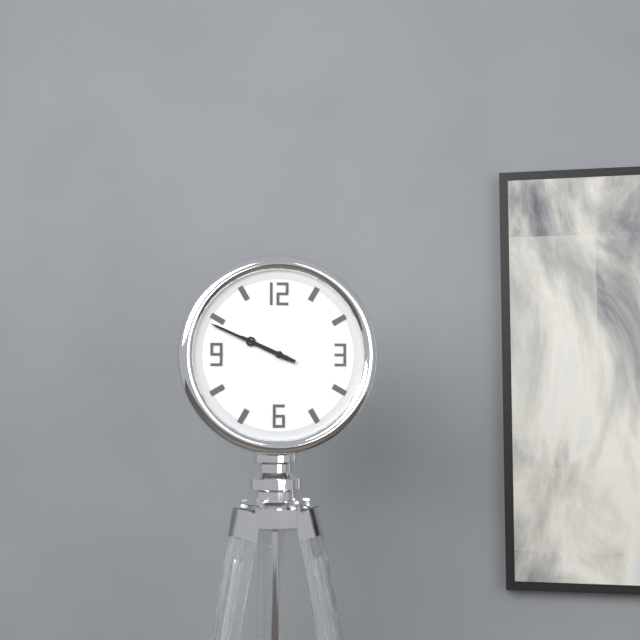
9:49
